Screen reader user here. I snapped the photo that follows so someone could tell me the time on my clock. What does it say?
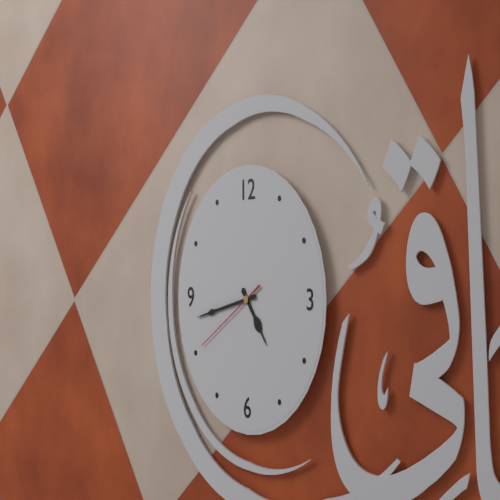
4:43:40
